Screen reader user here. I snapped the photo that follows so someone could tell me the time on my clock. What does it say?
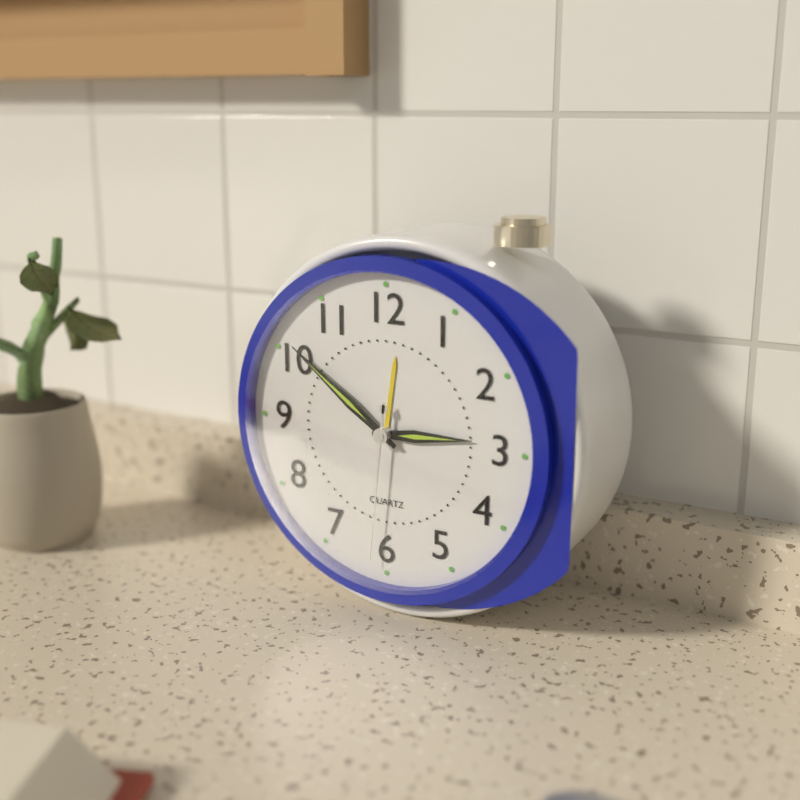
2:51:31
